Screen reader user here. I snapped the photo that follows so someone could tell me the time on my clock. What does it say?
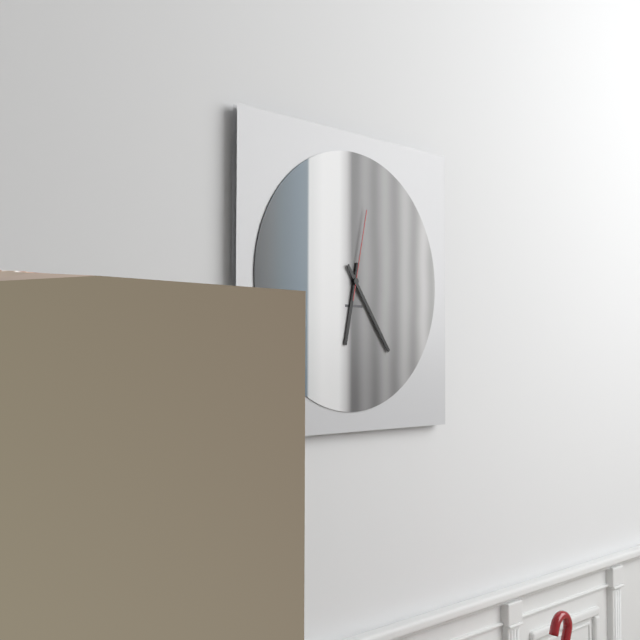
6:24:02
